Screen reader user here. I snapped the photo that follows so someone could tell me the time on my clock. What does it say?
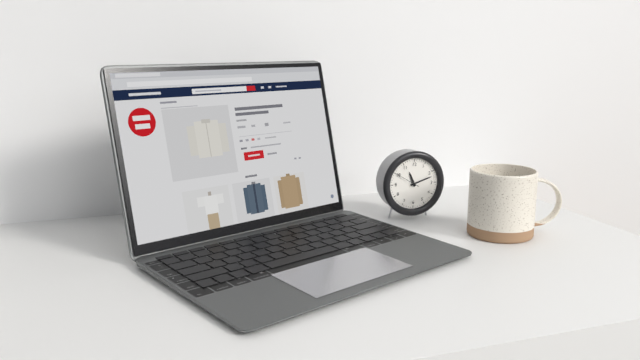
11:12
